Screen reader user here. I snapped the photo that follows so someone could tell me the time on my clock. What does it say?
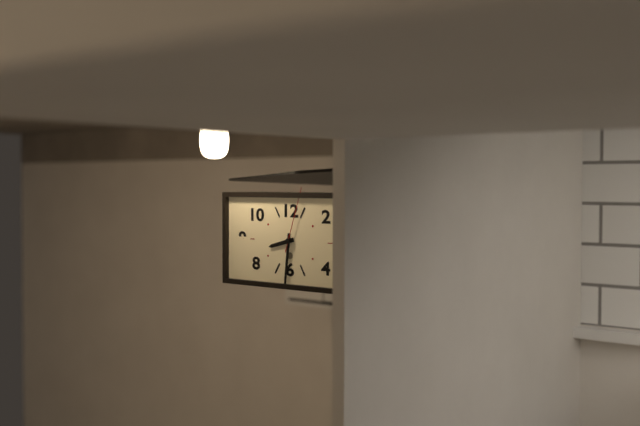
8:31:03
